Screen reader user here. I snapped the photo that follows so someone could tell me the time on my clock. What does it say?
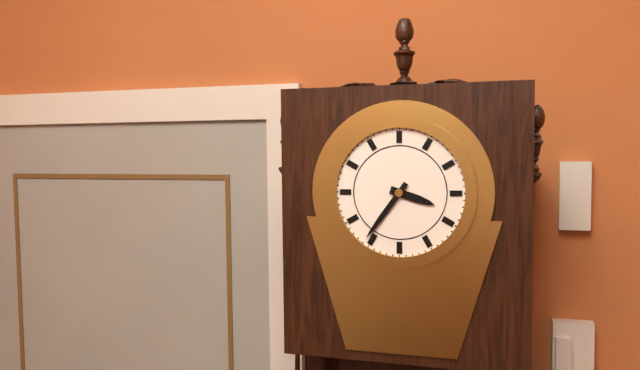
3:36
